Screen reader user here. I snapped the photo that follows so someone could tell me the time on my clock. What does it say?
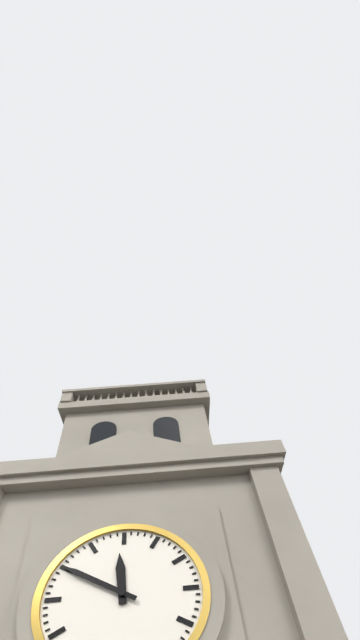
11:50
